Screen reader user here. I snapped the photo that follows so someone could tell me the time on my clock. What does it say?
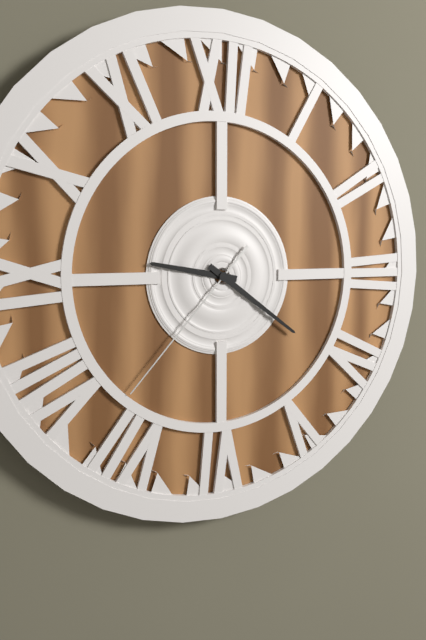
9:21:37
